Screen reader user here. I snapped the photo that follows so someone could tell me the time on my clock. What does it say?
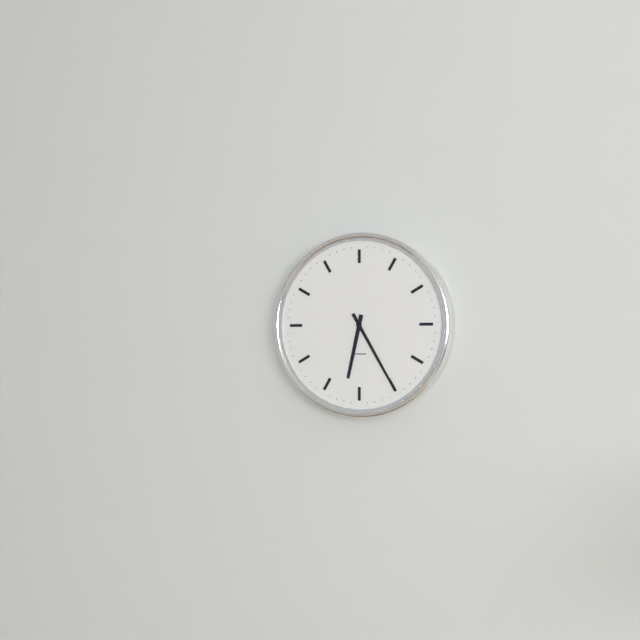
6:25
